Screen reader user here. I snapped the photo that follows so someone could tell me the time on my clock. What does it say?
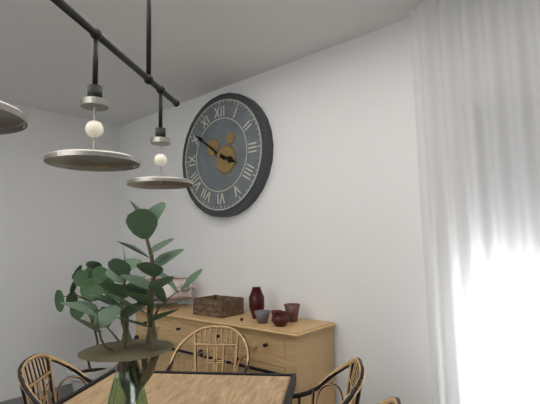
3:51
